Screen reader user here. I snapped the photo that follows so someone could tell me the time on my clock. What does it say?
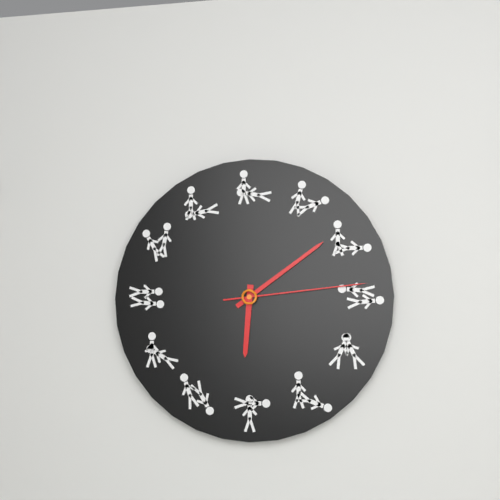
6:09:14
